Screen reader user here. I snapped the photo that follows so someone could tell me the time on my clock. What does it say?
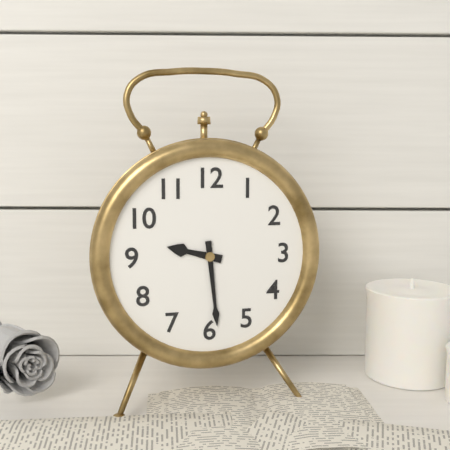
9:29
